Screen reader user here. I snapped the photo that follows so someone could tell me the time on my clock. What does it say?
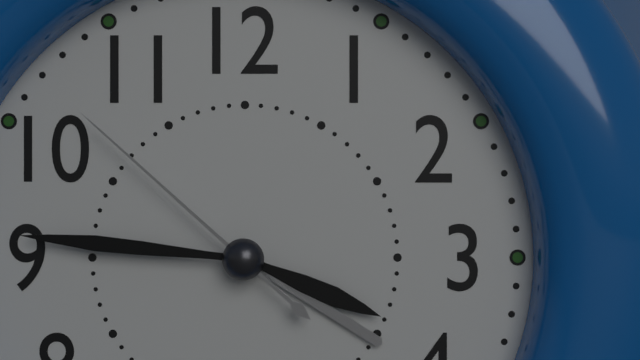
3:46:52
